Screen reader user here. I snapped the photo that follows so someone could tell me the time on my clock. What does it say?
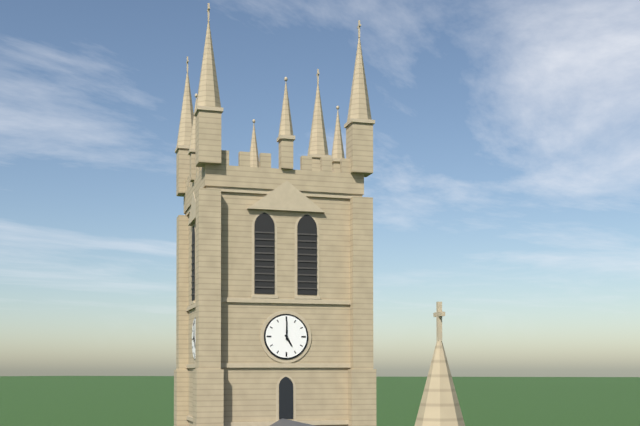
5:00
